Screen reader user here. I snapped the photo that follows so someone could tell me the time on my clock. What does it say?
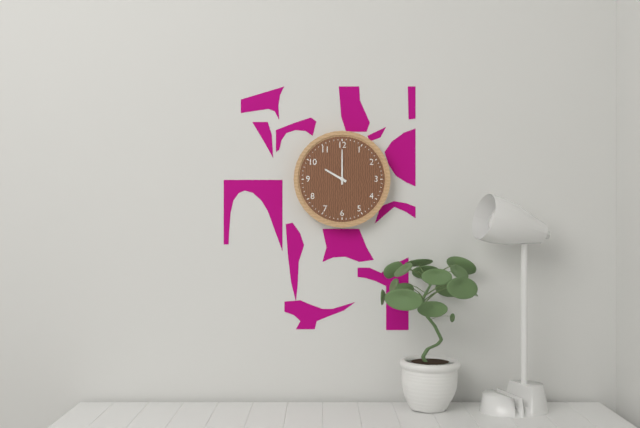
10:00
